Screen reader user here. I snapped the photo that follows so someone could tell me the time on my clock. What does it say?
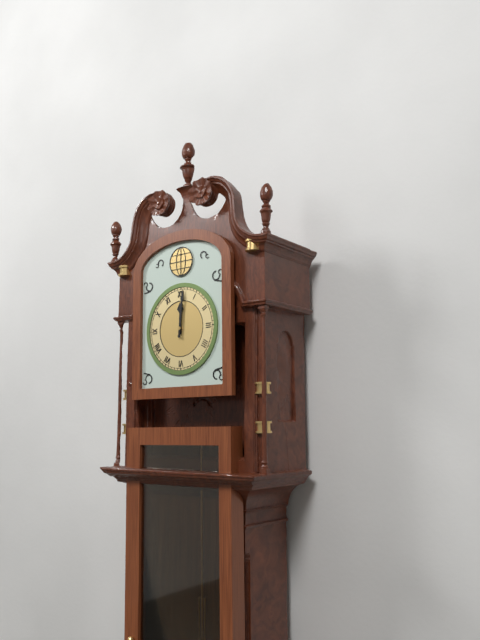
12:01
